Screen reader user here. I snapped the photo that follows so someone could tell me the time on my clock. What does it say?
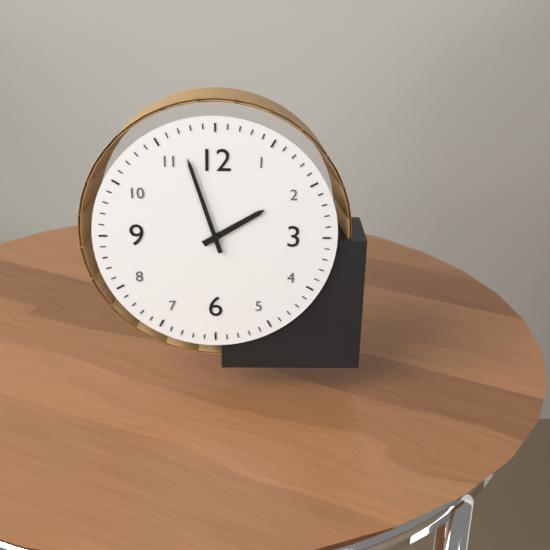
1:57
